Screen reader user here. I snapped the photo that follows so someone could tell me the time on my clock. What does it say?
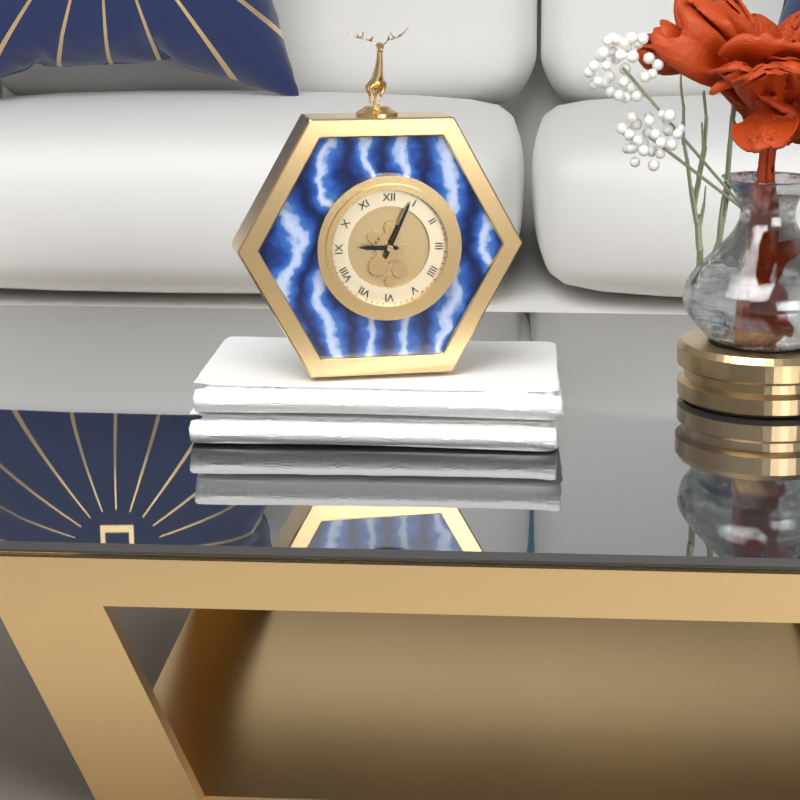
9:04
